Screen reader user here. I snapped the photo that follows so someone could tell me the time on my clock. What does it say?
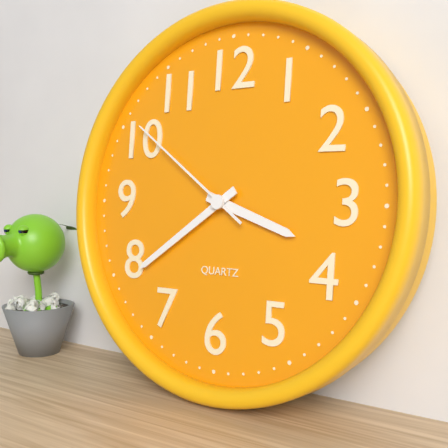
3:39:51
